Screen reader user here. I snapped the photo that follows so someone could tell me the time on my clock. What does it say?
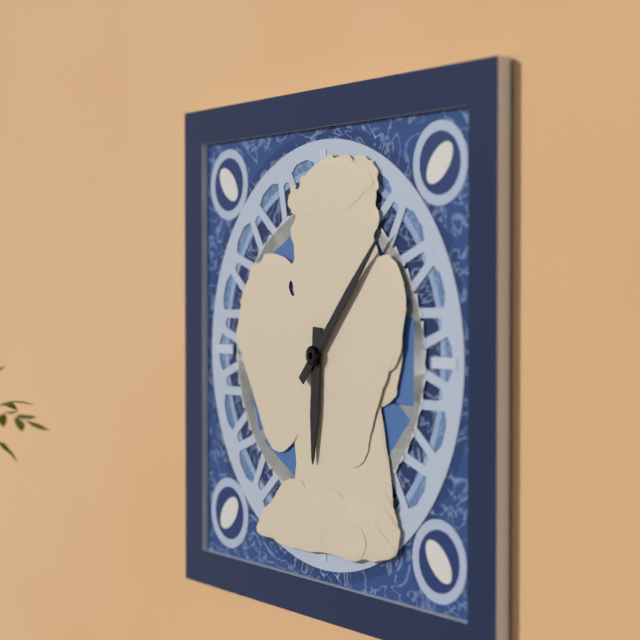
6:07
